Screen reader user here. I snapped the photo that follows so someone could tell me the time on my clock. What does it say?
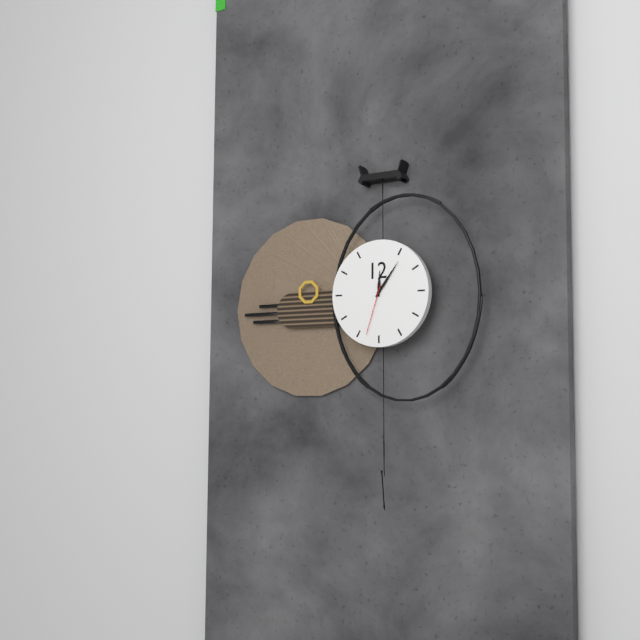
12:06:33
